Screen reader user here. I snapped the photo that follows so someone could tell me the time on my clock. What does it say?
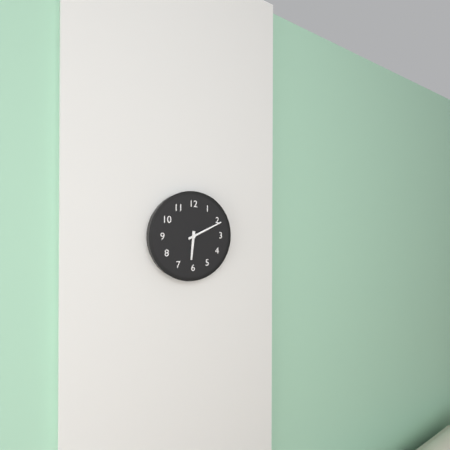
6:11
